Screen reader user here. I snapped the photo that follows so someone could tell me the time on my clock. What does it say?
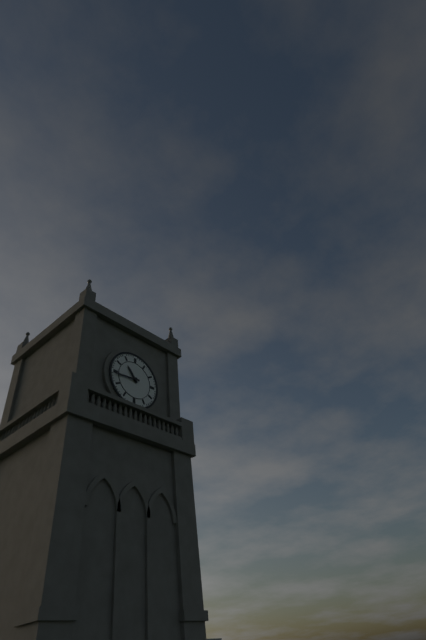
10:44
